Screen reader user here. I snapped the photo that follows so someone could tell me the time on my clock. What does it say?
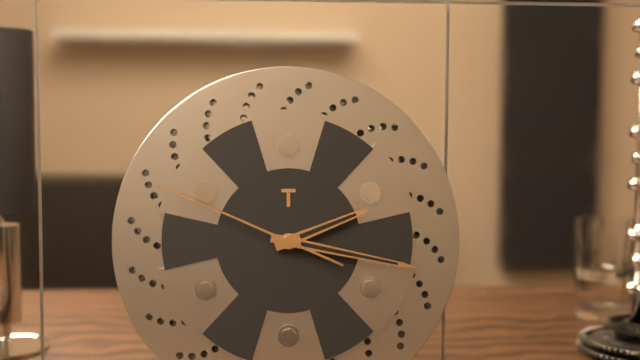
2:17:49
